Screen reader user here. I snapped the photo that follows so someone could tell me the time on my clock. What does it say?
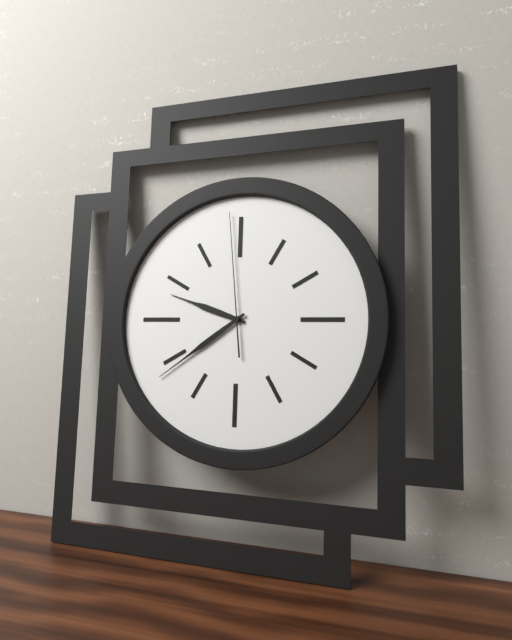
9:39:59
